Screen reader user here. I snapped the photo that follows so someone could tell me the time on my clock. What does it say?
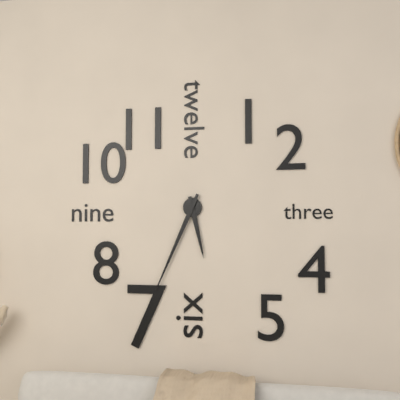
5:34
